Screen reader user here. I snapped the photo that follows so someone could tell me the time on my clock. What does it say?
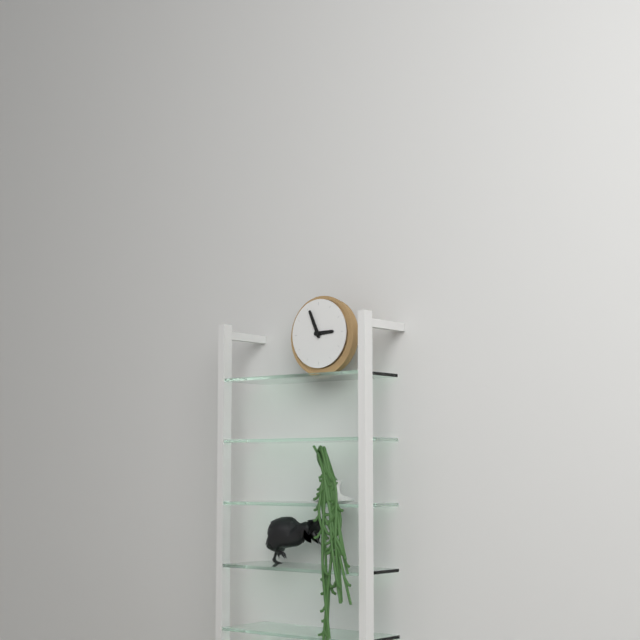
2:56
